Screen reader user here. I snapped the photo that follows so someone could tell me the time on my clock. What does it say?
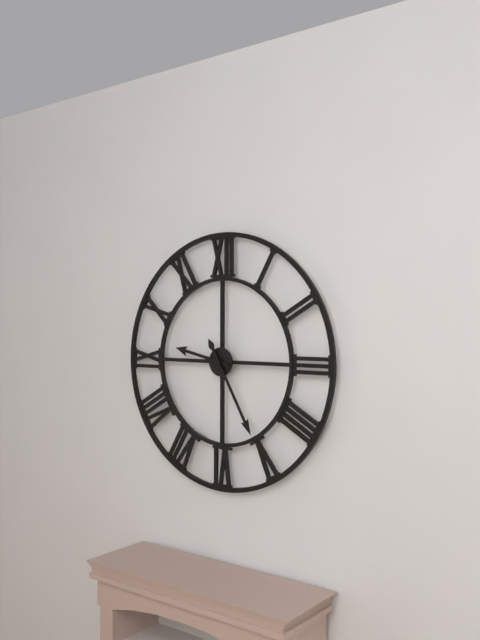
9:25
